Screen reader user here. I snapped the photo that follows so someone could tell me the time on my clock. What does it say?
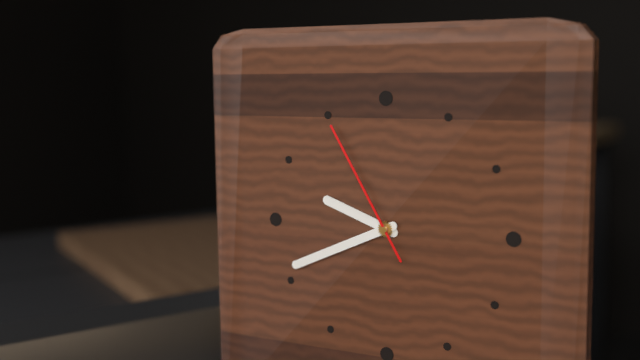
9:41:55
